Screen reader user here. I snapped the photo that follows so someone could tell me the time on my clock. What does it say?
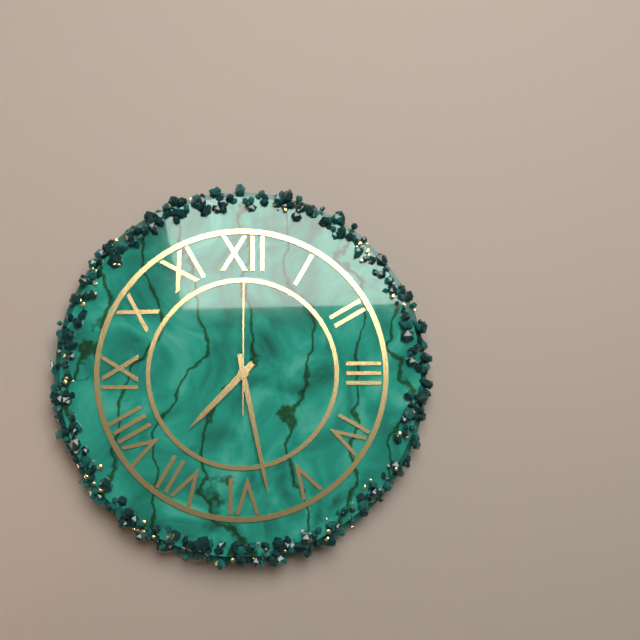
7:28:00
